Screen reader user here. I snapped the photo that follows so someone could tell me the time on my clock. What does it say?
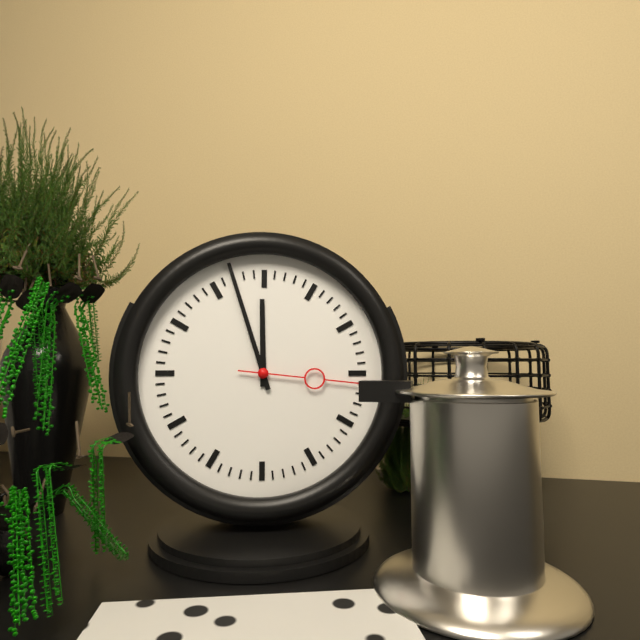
11:57:16
